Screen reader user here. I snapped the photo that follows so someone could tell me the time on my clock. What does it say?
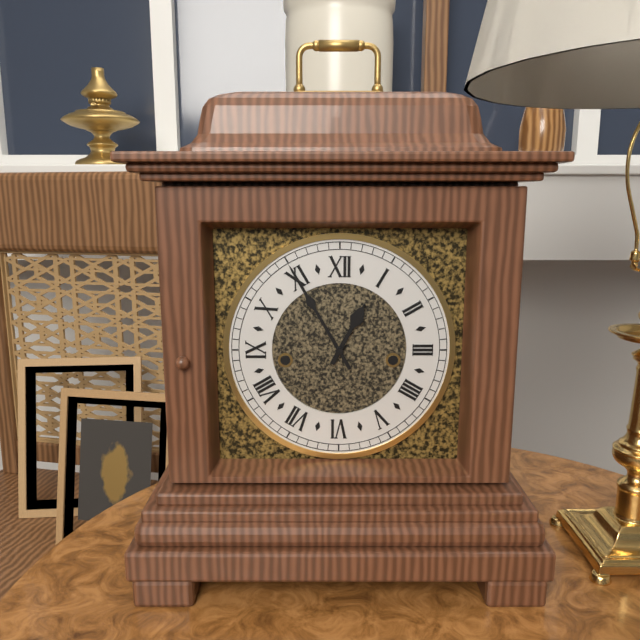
12:55
